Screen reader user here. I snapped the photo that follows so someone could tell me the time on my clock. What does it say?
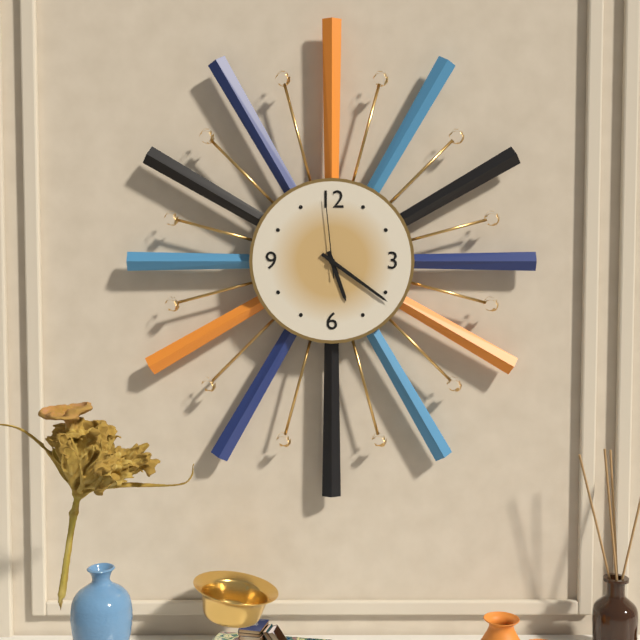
5:21:59
